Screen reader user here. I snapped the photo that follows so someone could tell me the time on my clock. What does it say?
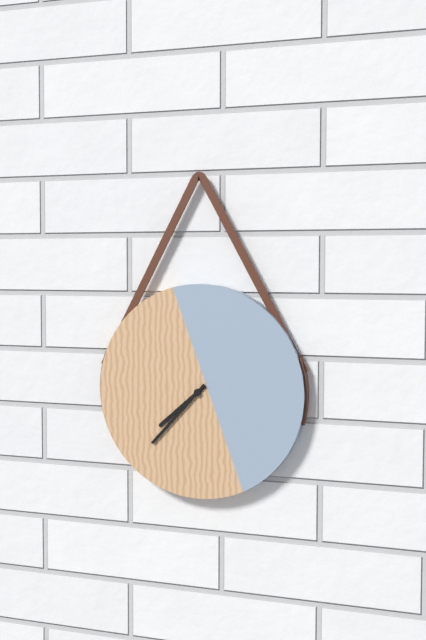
7:37
